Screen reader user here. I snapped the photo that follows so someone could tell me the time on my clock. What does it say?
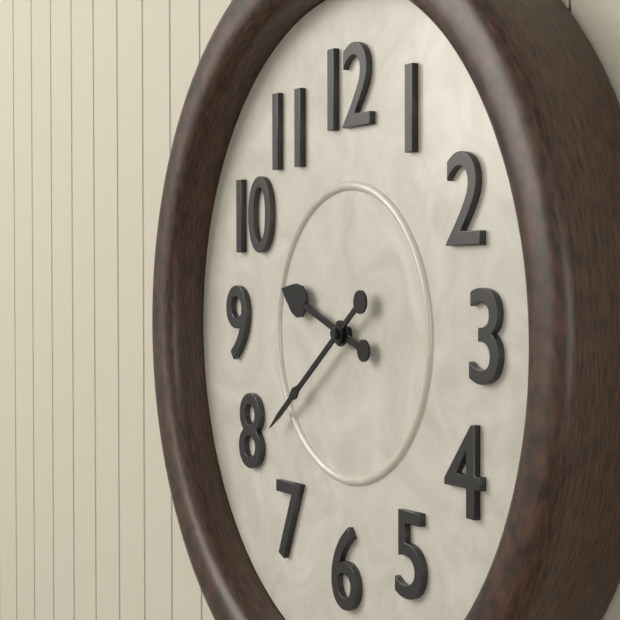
9:39
